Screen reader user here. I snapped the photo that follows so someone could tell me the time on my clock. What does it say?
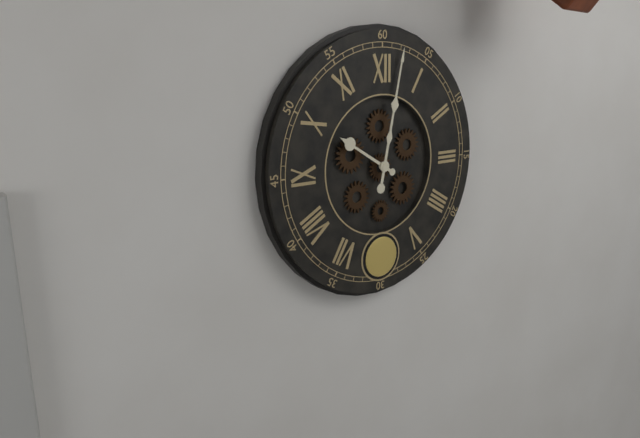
10:02
